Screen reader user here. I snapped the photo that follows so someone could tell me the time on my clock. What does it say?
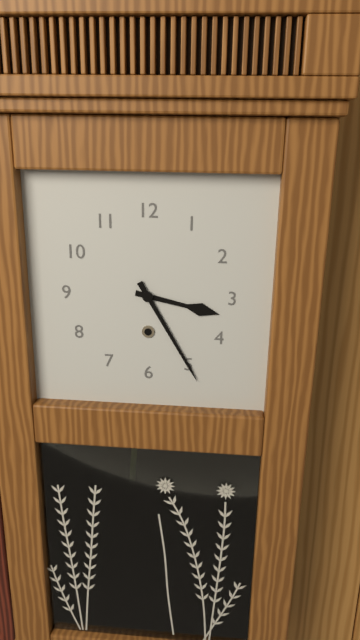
3:25
